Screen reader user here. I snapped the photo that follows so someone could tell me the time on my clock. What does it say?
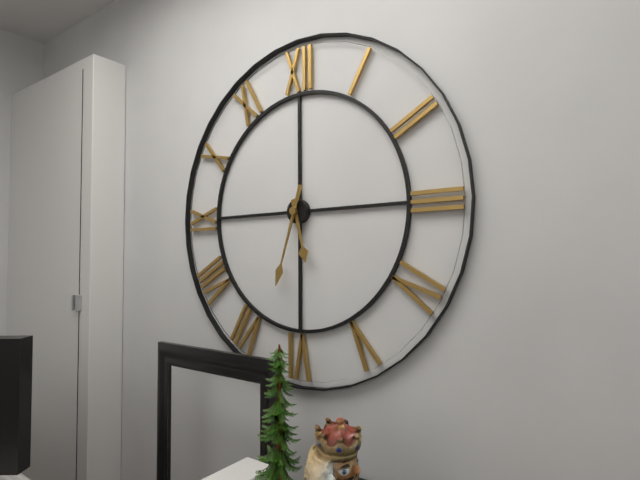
5:33
